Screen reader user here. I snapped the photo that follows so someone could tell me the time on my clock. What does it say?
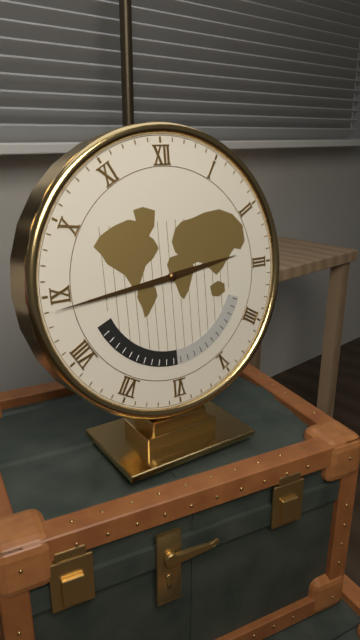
2:44
